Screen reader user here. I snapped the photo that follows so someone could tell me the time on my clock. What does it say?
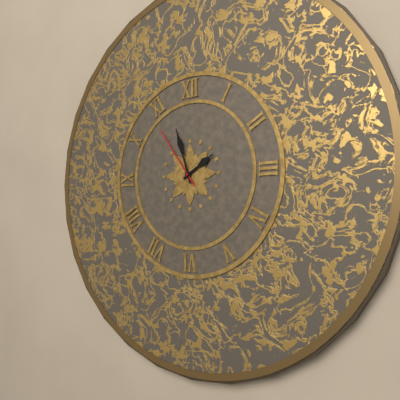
1:57:54
